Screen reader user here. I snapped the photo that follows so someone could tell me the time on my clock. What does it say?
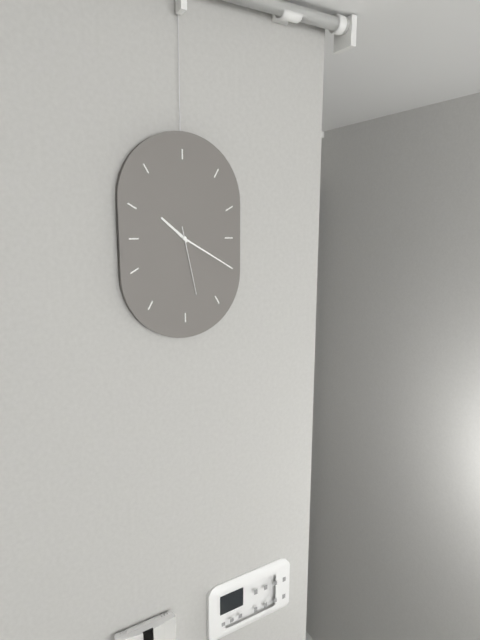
10:20:28
